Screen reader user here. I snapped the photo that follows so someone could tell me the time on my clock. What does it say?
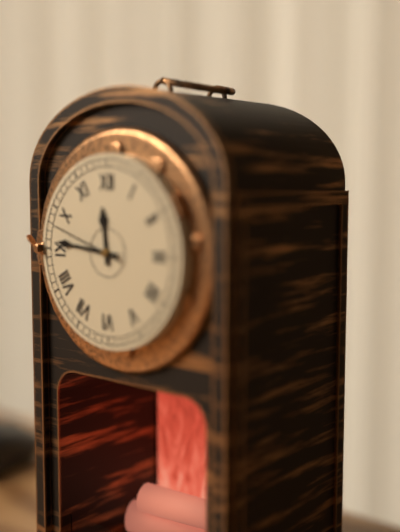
11:46:48
